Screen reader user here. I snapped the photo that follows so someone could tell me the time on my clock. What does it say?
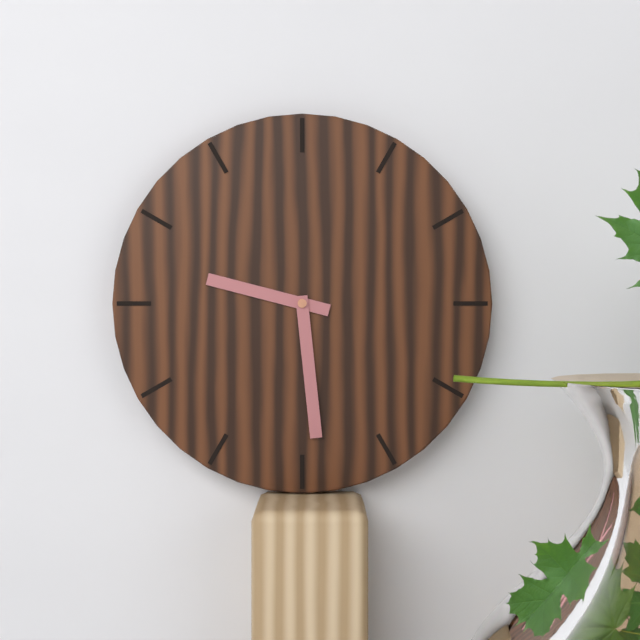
9:29
